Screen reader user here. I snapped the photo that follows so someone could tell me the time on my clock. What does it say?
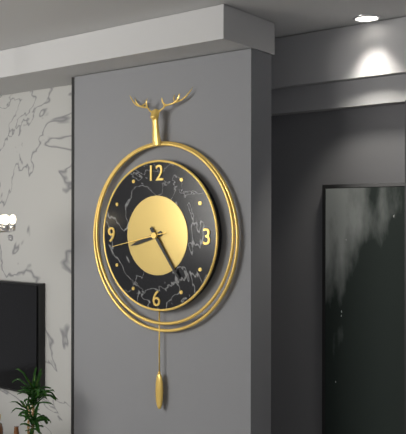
8:24:43
